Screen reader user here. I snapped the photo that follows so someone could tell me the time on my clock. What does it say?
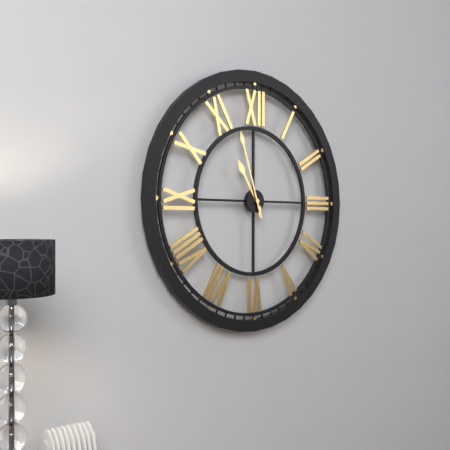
10:57
